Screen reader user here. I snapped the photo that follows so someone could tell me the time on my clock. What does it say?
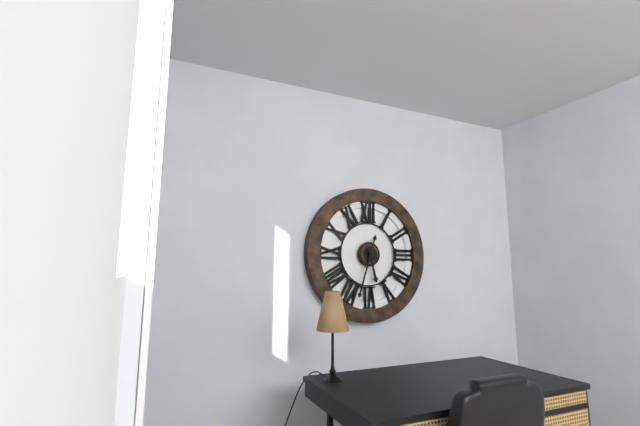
5:33
